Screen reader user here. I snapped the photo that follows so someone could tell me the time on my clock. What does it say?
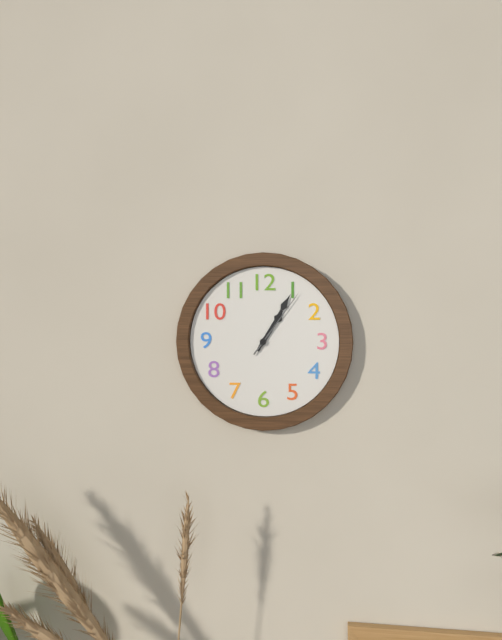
1:05:06
